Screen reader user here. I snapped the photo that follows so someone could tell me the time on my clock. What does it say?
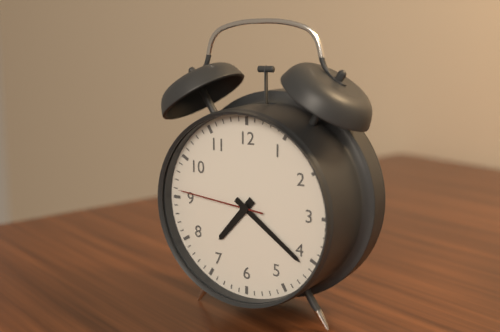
7:21:46
